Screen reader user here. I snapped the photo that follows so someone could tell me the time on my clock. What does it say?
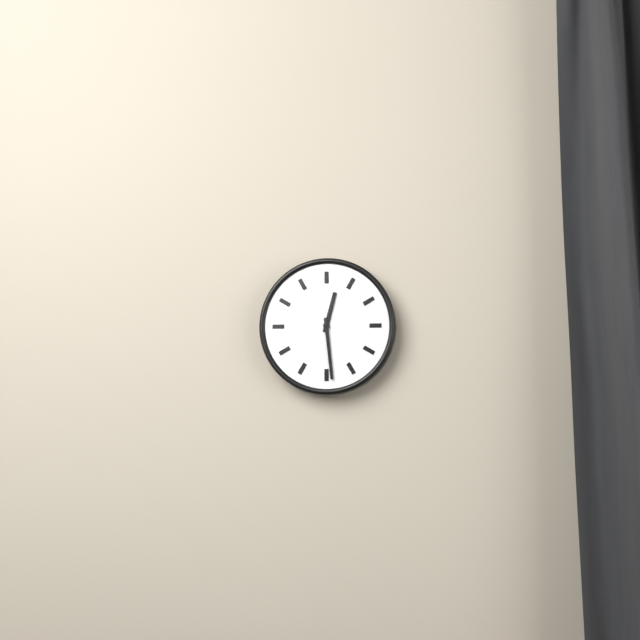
12:29
